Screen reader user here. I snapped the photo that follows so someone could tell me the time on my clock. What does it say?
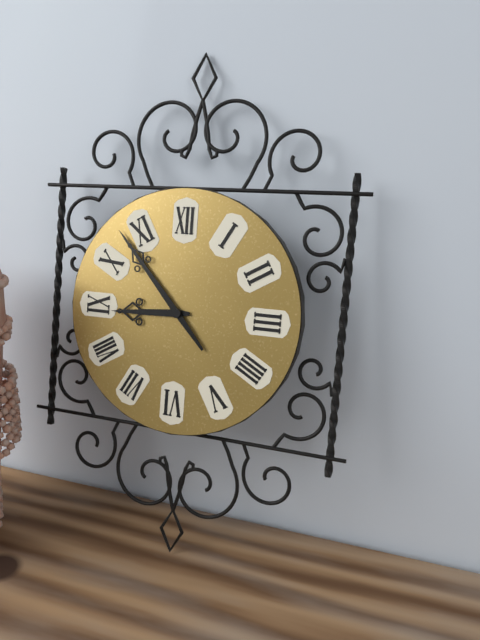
8:53
